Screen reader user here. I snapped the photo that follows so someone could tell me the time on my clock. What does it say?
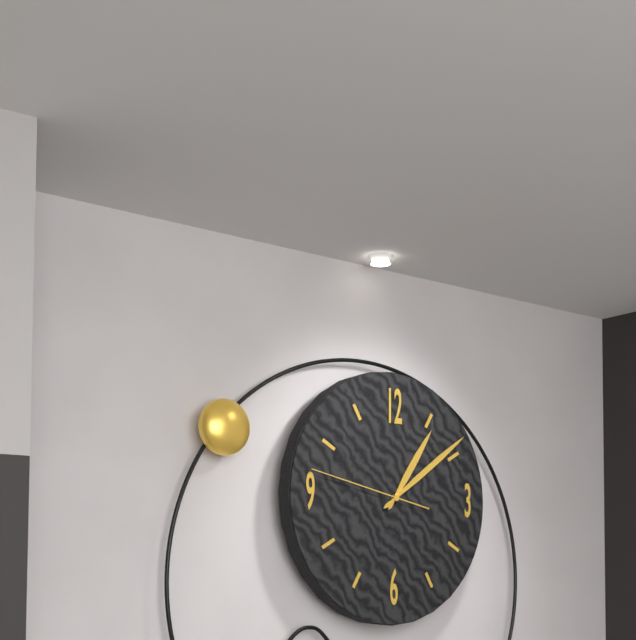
1:09:47
